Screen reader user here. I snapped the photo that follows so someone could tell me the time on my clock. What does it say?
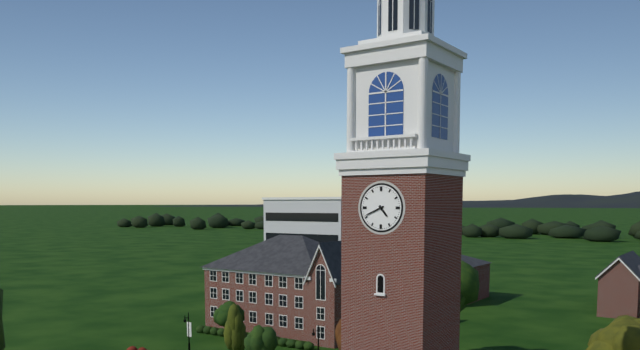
4:41
